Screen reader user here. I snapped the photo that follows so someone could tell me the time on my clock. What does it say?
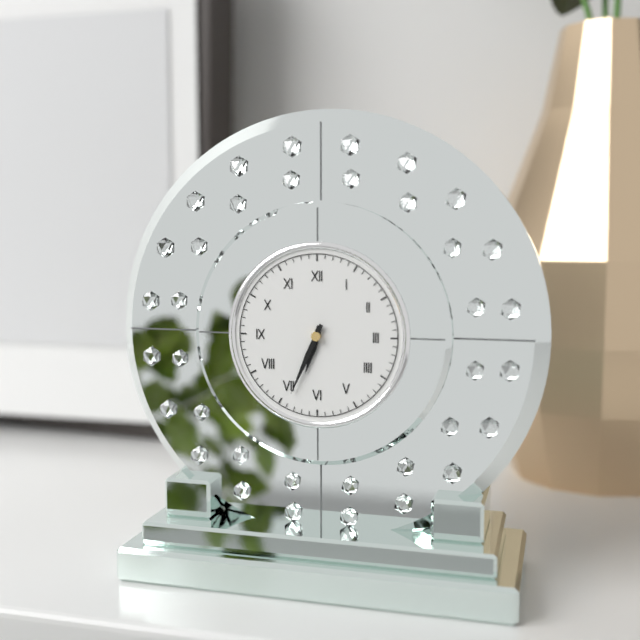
6:34
